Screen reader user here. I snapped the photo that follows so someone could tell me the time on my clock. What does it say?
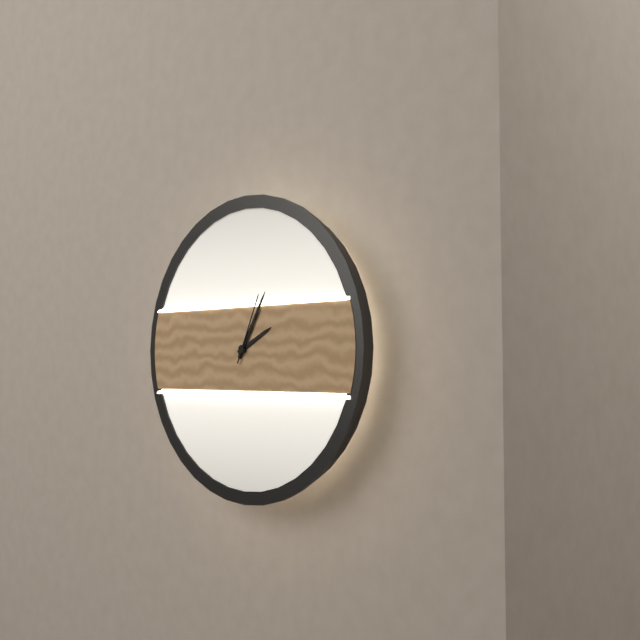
2:05:04
